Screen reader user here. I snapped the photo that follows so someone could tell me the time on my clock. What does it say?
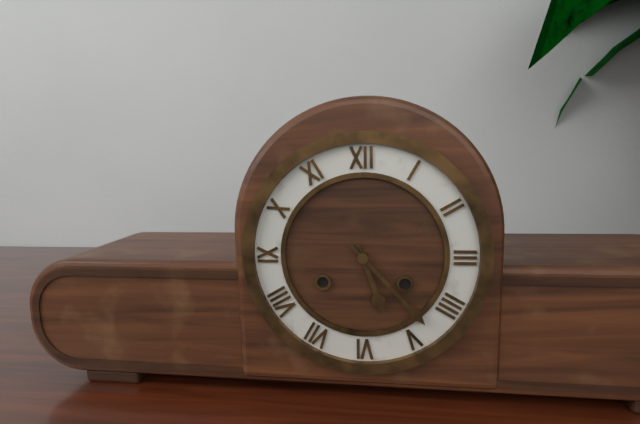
5:23
